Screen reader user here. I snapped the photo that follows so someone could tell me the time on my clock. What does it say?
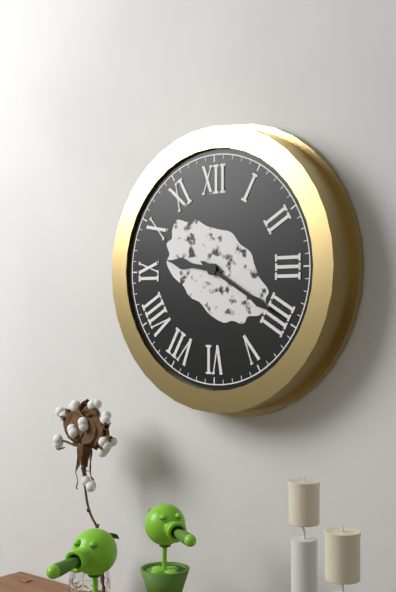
9:20
